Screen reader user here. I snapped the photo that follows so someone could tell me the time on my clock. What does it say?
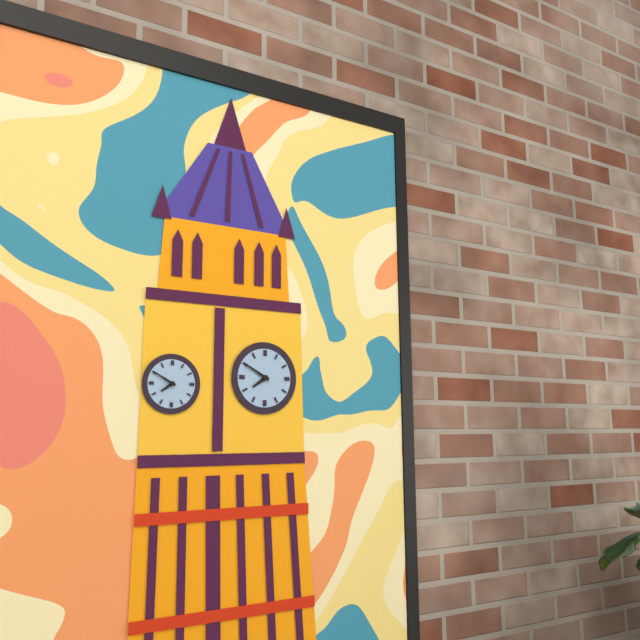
7:50
